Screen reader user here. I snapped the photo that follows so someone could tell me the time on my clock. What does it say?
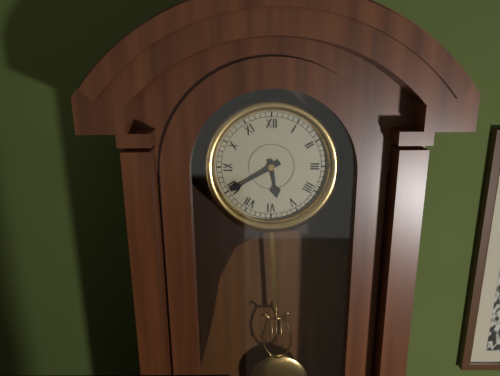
5:40
